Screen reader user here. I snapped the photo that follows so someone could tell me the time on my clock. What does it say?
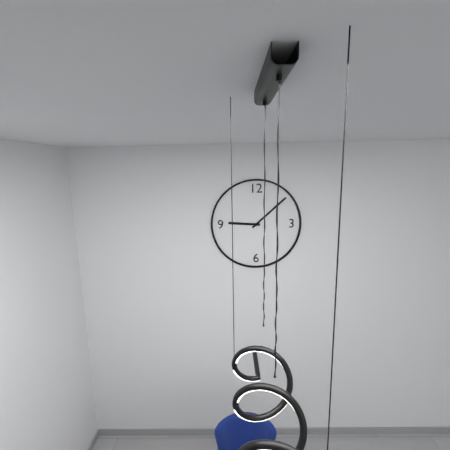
9:08
